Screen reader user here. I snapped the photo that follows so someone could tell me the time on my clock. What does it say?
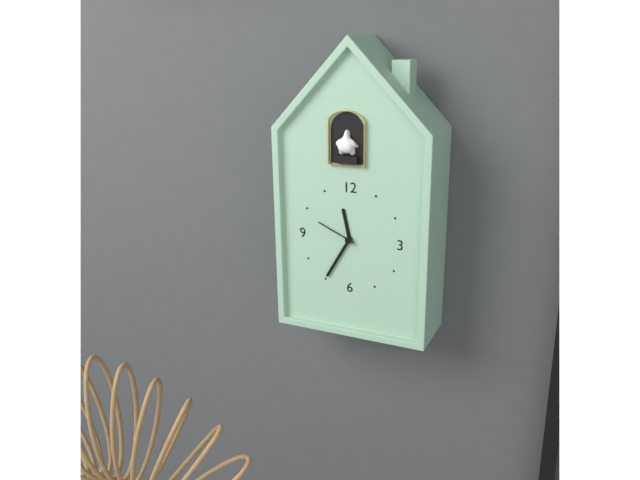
11:35
